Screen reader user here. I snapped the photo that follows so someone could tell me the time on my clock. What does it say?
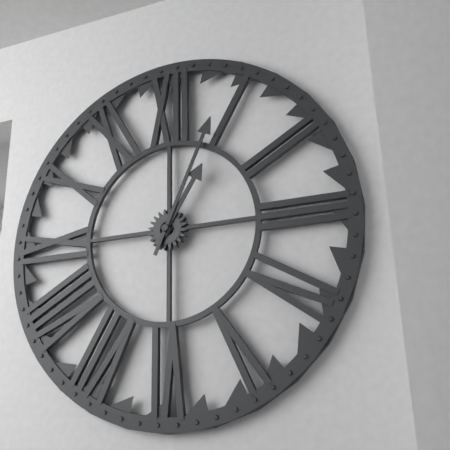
1:04
